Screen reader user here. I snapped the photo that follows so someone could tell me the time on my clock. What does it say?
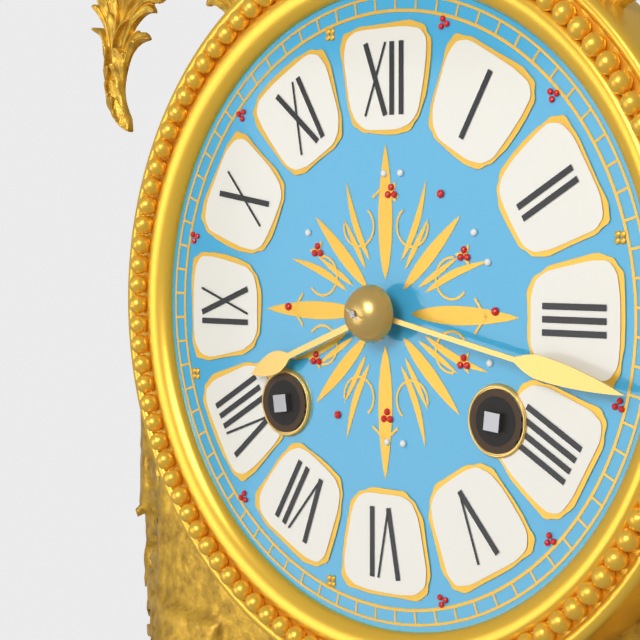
8:17
